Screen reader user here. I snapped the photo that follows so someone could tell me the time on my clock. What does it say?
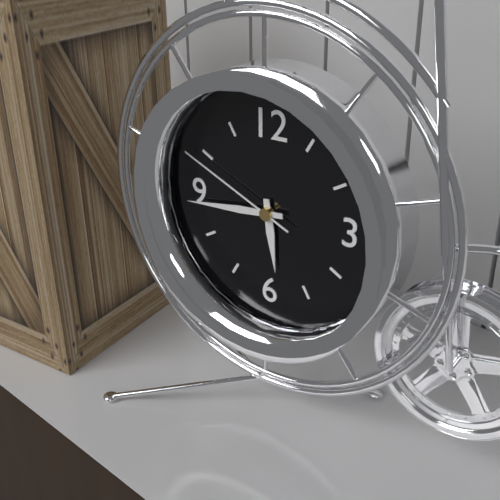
5:44:49
